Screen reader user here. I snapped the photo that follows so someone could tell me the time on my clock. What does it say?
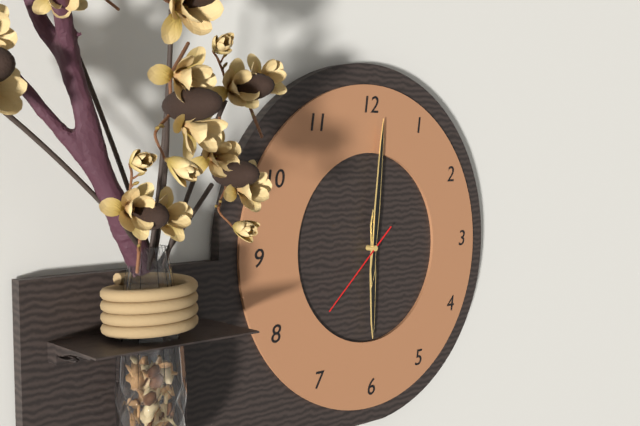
6:01:38
